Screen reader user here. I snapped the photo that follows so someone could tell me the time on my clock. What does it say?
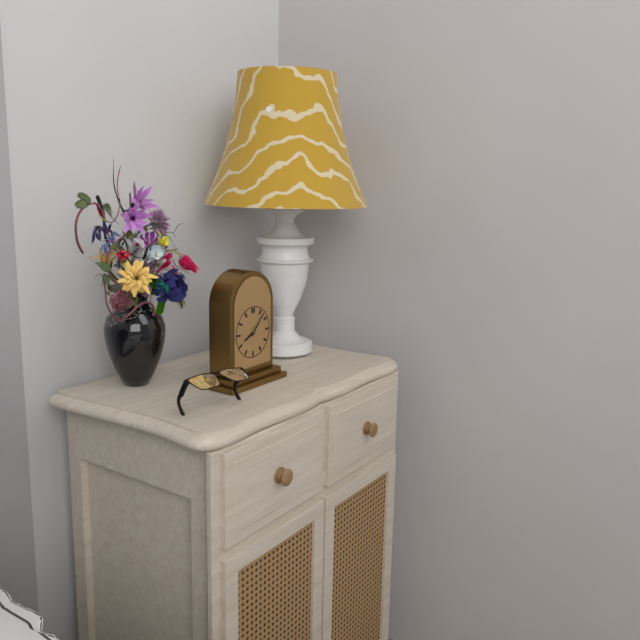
8:07
